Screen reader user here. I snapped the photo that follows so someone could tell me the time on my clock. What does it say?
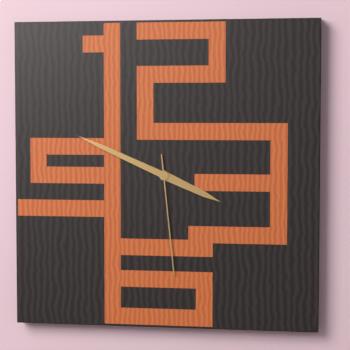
3:49:29
